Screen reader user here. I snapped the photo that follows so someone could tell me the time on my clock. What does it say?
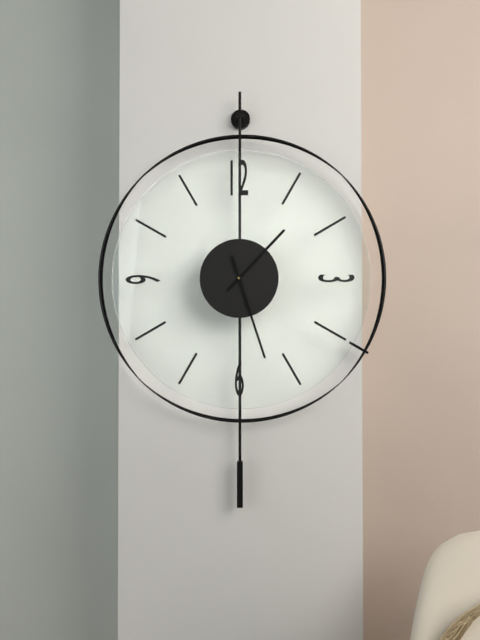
1:27
